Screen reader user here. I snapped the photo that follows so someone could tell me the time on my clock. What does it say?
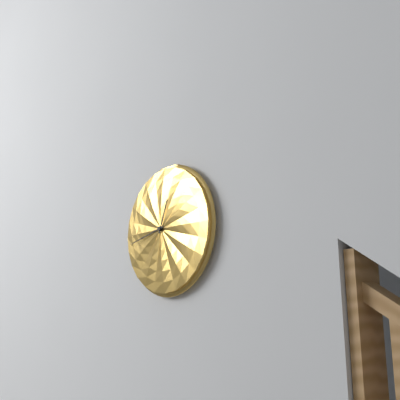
12:43
